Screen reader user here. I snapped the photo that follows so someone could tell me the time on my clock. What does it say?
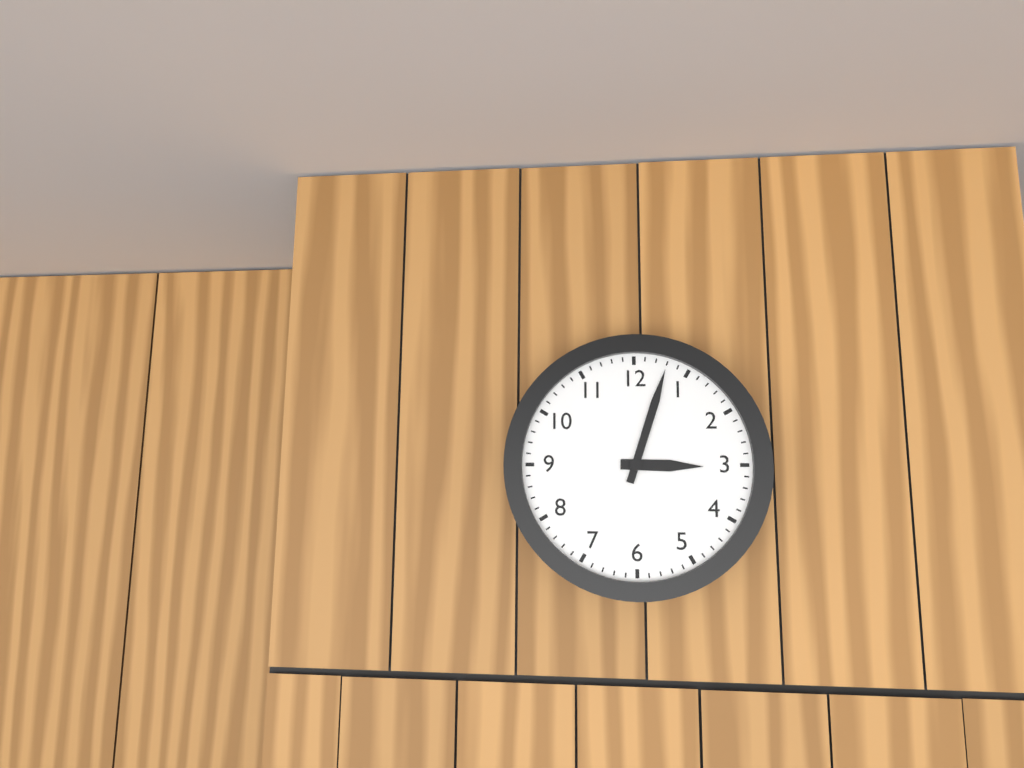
3:03
